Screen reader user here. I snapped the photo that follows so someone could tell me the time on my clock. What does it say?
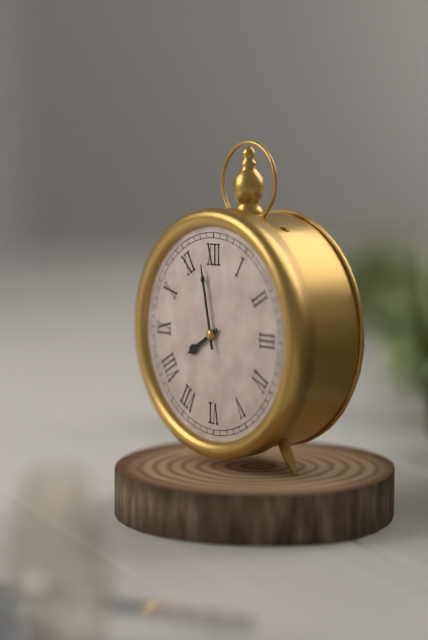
7:58
